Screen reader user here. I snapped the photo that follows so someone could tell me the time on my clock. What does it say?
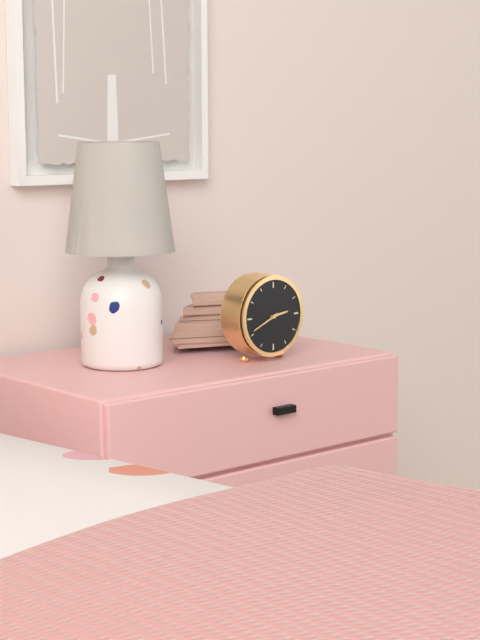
2:41
